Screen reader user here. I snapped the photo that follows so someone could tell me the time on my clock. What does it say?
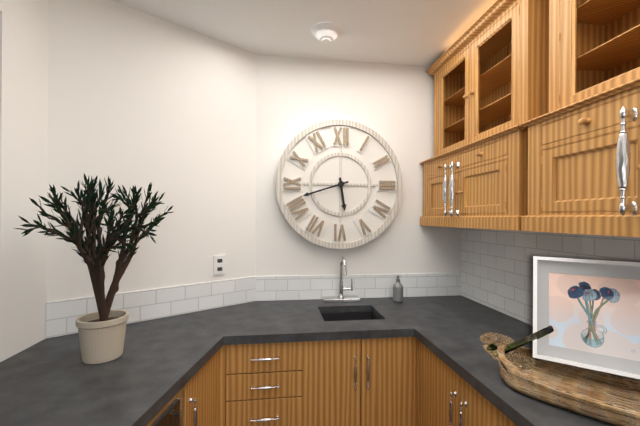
5:42
